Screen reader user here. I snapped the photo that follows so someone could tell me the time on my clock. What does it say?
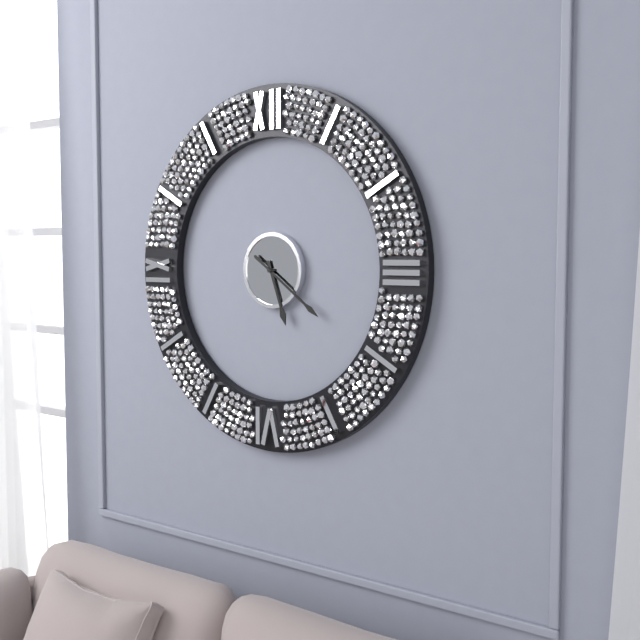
5:21
